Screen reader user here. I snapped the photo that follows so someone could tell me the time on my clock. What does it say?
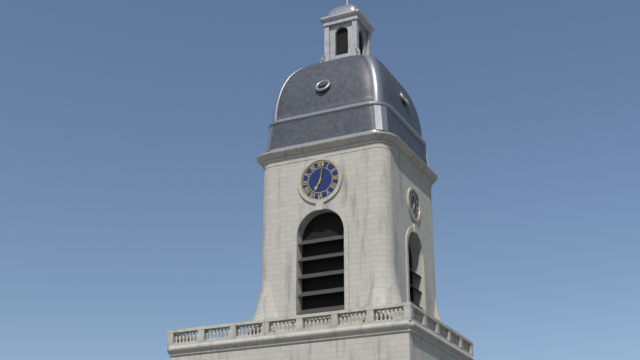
7:02
